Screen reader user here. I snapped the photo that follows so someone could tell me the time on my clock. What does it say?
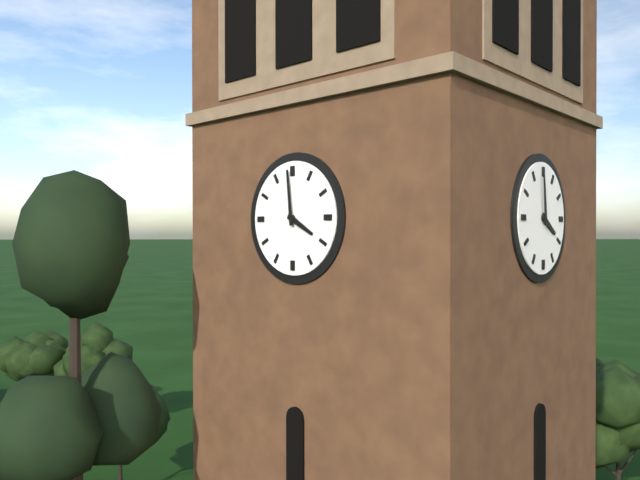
3:59
